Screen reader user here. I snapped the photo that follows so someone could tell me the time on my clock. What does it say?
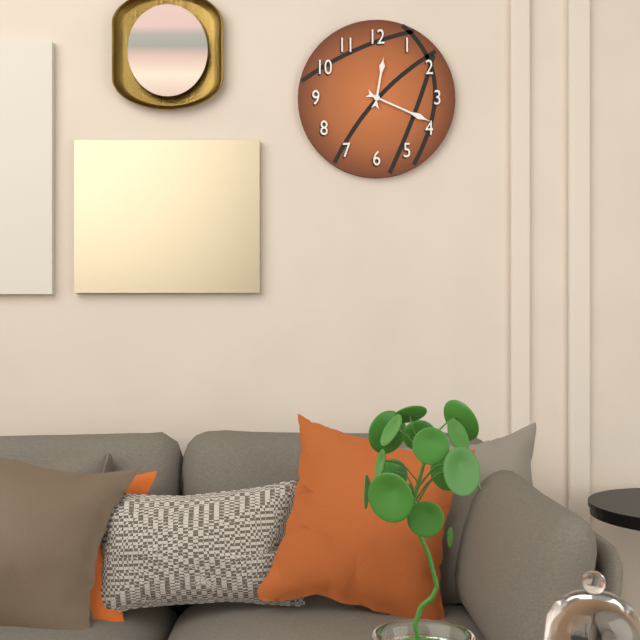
12:19
